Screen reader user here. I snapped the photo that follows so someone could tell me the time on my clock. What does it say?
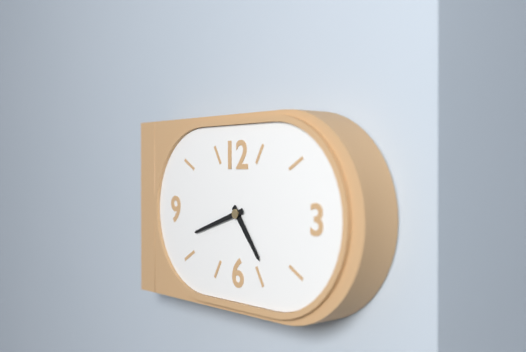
4:42
